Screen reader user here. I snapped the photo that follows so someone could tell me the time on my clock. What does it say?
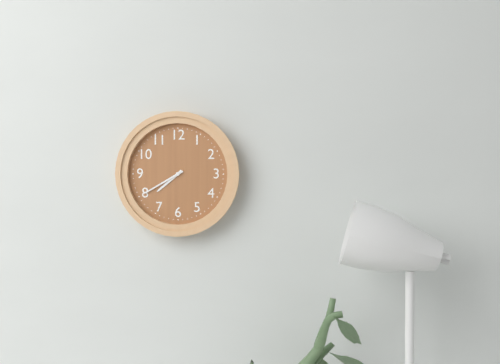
7:40
